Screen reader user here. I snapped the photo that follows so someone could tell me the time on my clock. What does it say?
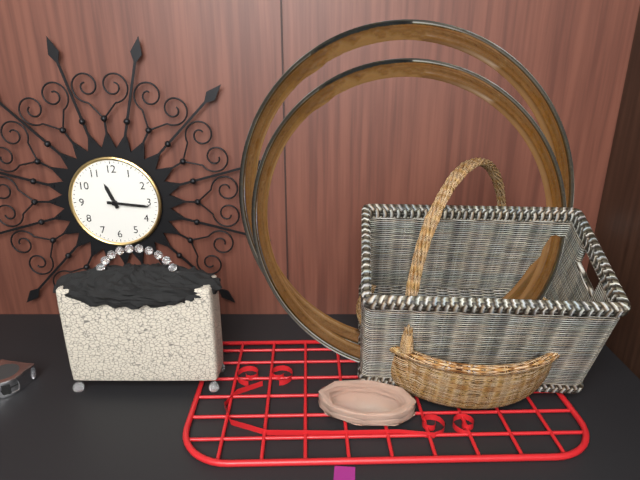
11:16
